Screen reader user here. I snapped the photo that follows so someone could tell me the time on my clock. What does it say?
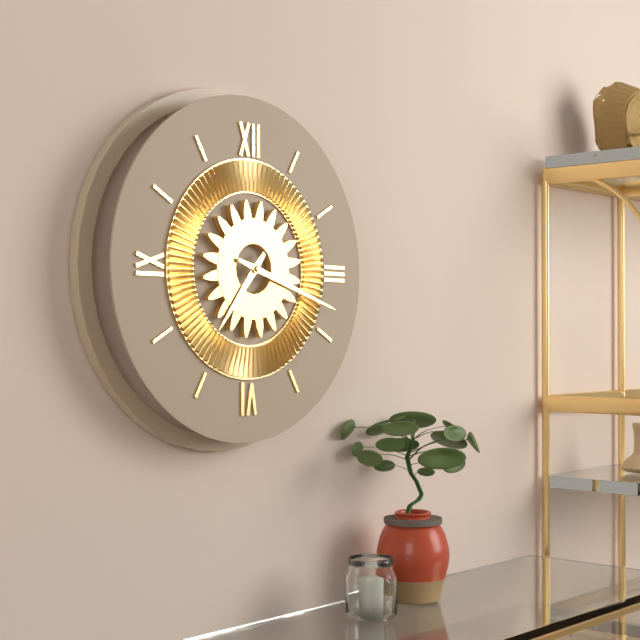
7:18
